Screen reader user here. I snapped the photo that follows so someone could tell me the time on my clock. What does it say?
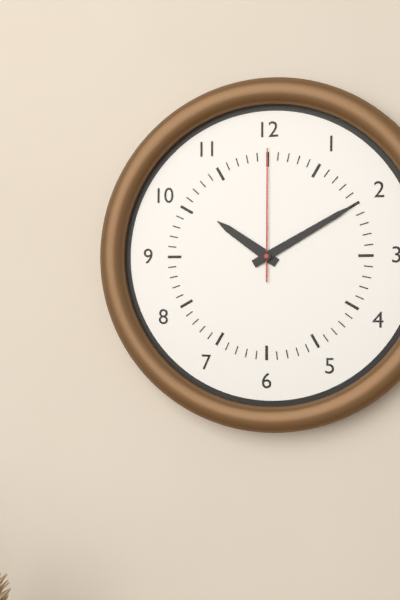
10:10:00
